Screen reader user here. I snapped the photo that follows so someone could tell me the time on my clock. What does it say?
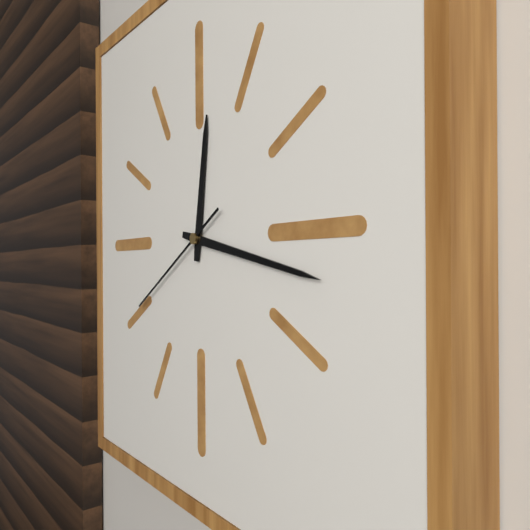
12:17:40
